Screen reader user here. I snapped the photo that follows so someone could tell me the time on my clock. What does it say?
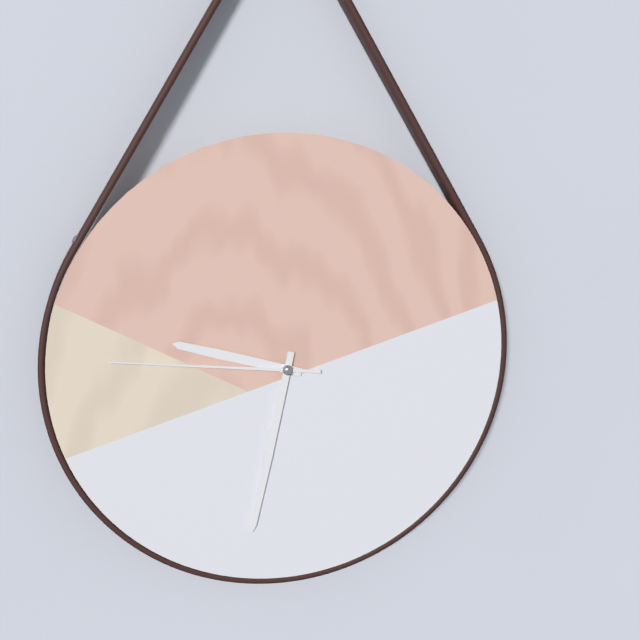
9:32:46
